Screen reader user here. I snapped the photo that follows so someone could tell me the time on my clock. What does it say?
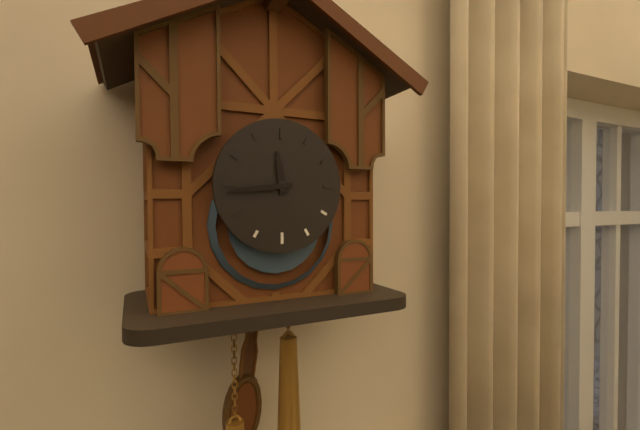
11:44
